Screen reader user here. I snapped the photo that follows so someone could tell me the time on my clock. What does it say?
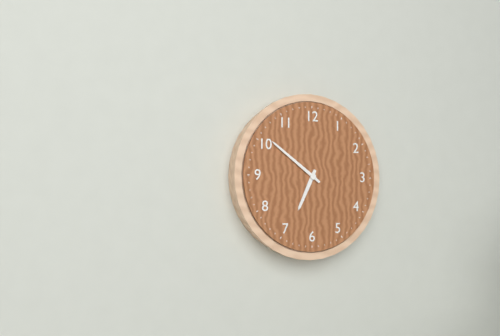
6:51
